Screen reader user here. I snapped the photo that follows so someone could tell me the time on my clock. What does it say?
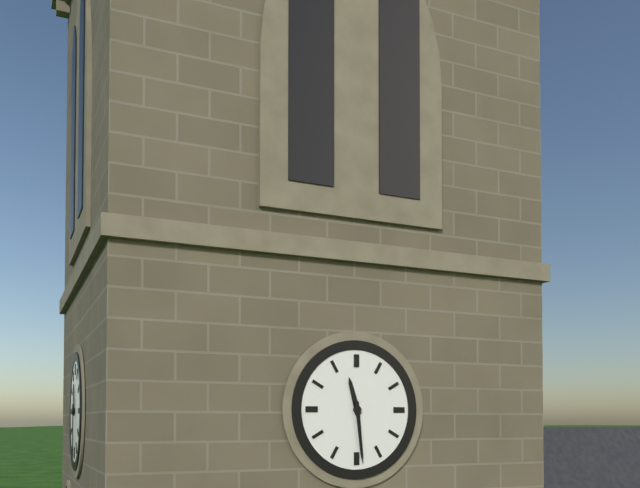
11:29
